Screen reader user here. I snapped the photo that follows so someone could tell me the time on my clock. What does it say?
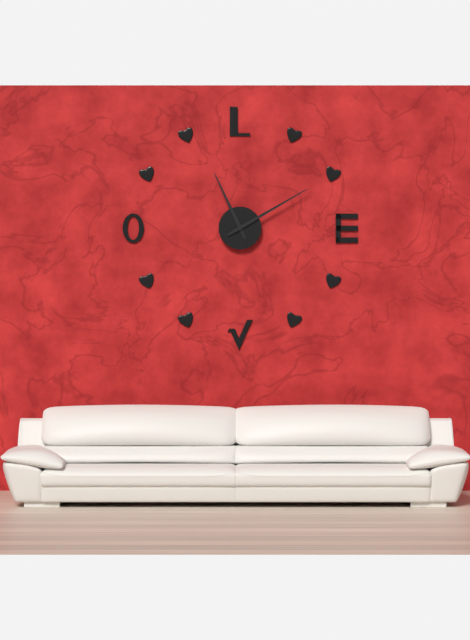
11:10
